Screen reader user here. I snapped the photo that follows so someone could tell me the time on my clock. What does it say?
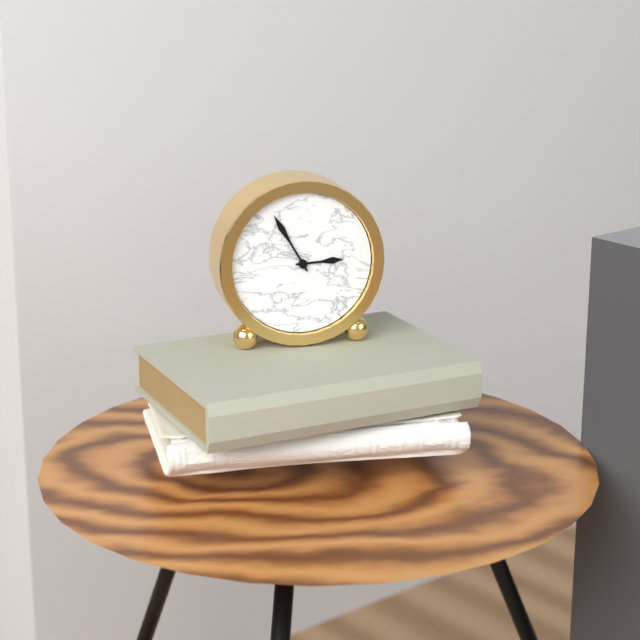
2:55
